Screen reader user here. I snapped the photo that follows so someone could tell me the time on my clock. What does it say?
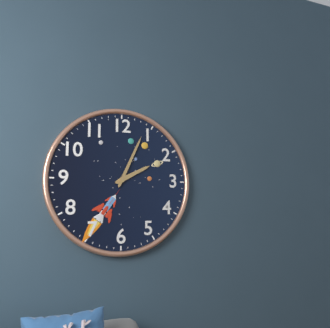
2:04
